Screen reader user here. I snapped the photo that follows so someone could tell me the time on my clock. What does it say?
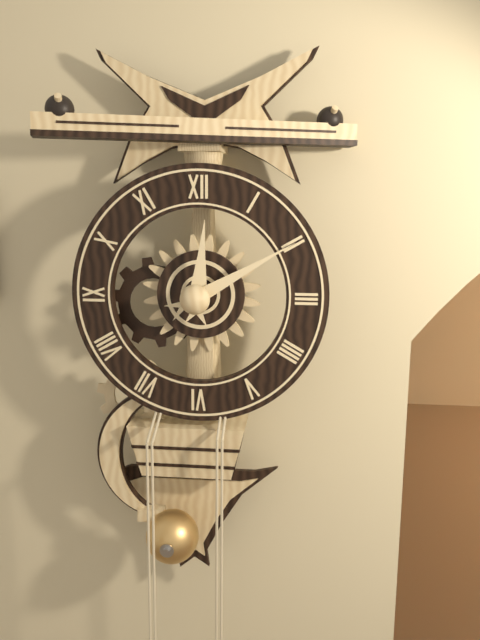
12:10
